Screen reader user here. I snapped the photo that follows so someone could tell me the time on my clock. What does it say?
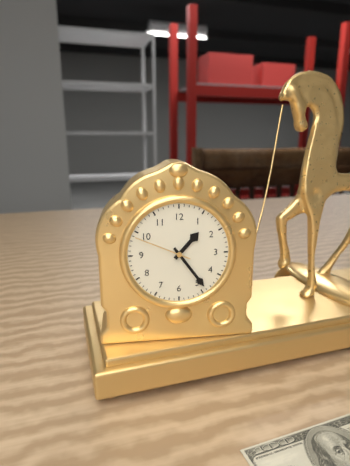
1:24:49
